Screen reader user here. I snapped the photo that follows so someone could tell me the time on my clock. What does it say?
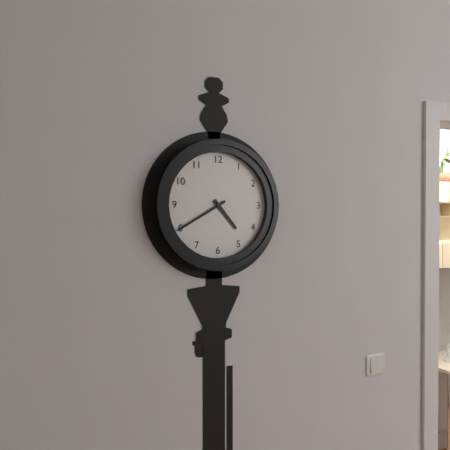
4:40
